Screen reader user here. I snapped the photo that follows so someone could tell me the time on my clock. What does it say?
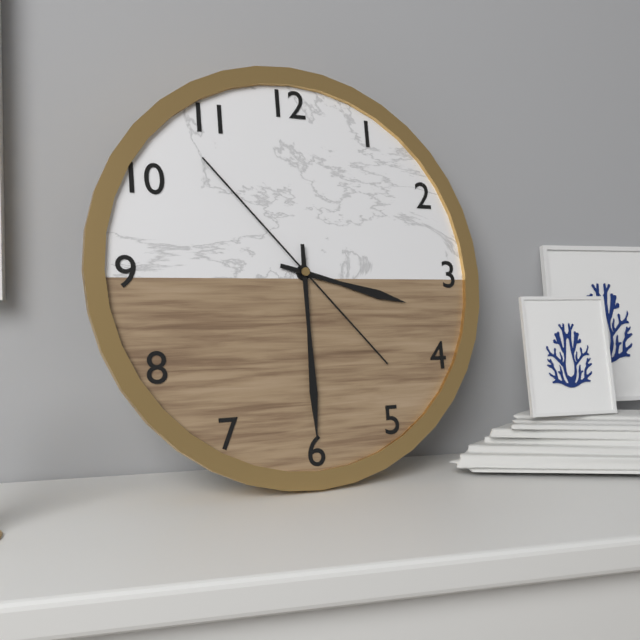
3:30:53
